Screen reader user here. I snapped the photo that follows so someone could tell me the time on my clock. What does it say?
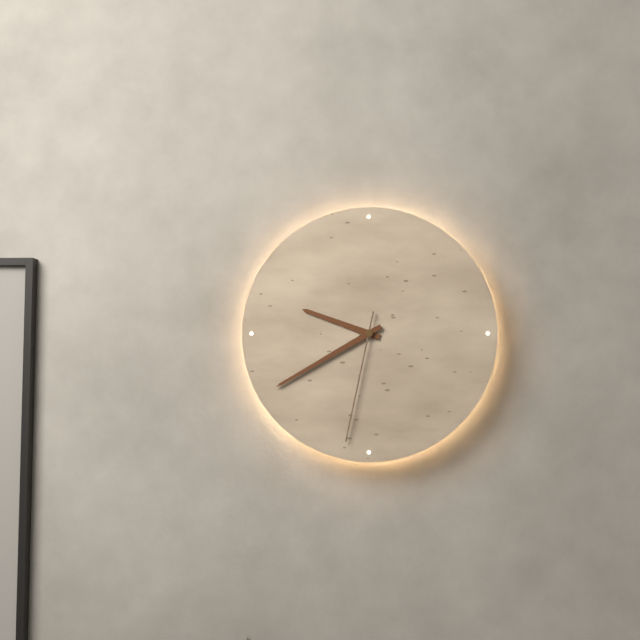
9:40:32
